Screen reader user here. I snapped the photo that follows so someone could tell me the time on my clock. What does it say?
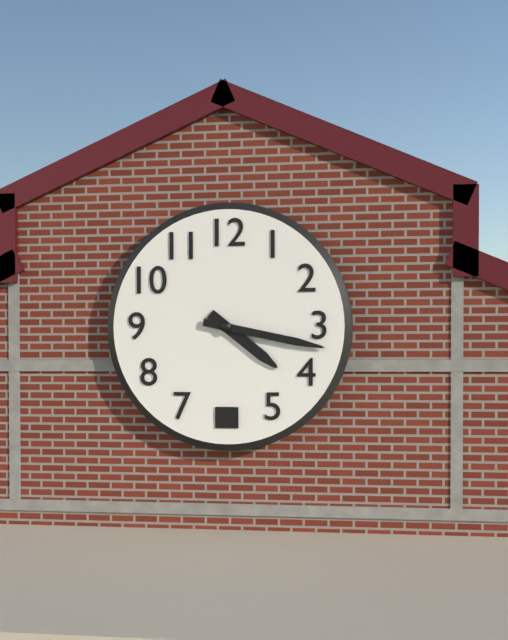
4:17
